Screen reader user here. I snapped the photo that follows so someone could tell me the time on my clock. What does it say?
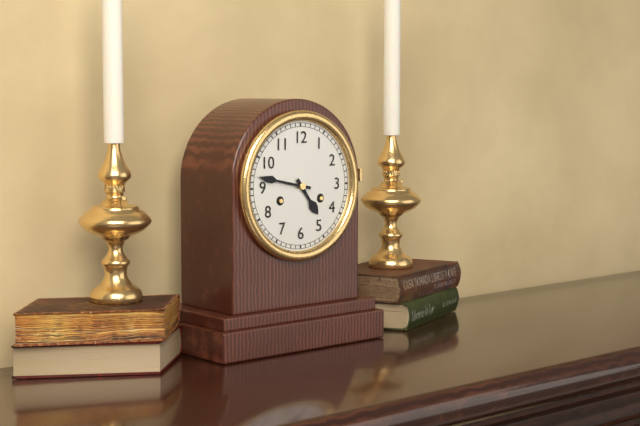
4:47
